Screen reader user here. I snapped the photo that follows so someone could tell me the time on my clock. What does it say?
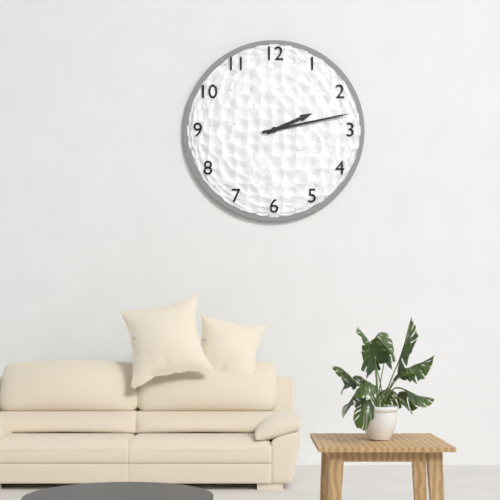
2:13
